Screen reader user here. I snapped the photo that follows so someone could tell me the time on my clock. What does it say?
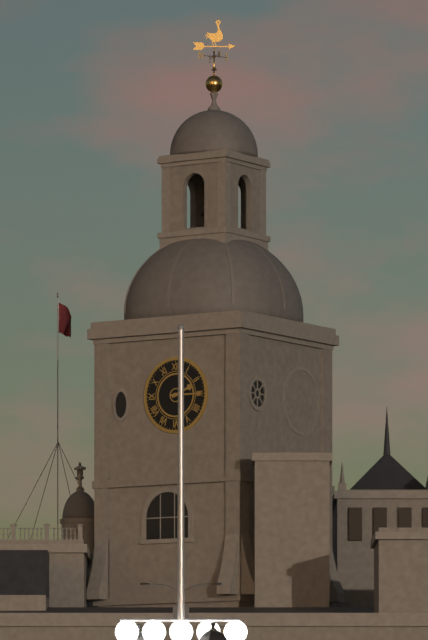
2:15
